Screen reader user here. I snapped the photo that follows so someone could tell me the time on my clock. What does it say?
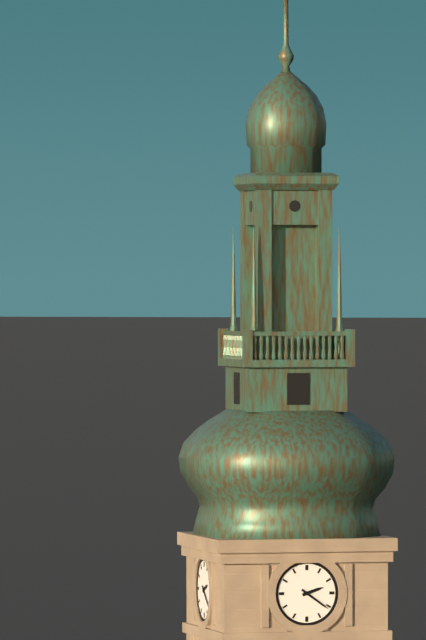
2:21
